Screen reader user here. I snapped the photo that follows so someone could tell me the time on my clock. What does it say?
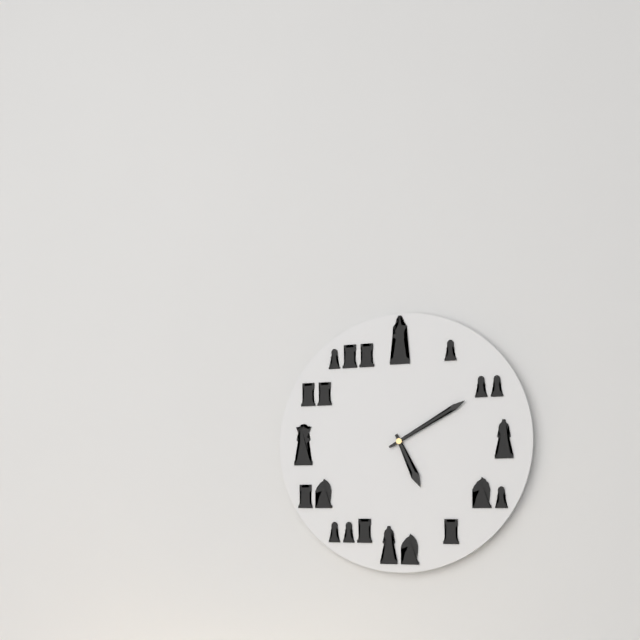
5:10
